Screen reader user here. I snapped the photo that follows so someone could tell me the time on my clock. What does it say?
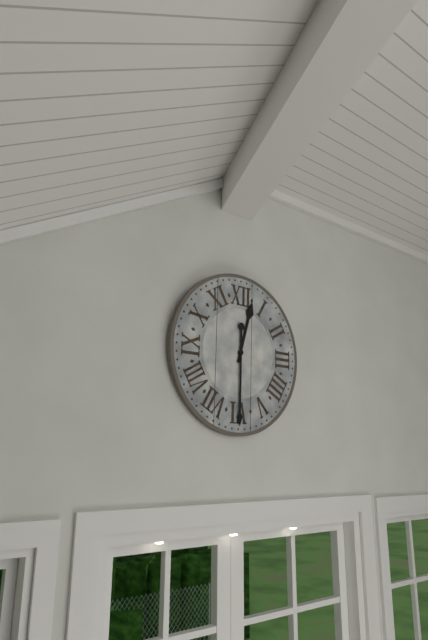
12:30
